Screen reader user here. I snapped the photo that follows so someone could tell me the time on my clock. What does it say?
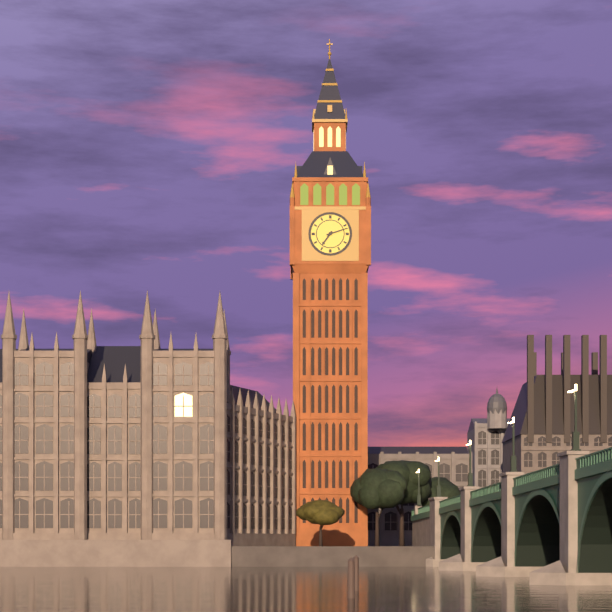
7:12
